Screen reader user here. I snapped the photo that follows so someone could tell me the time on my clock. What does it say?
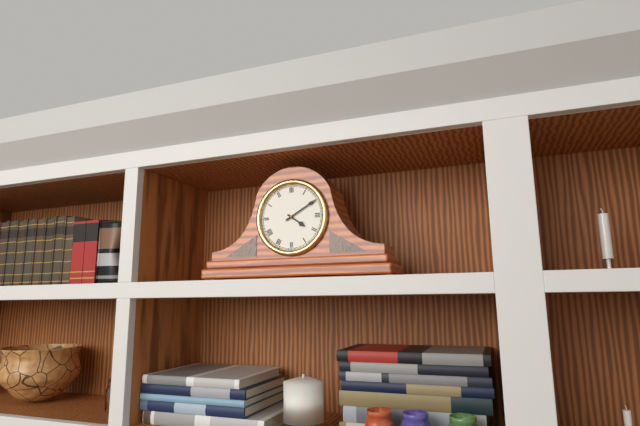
4:10
